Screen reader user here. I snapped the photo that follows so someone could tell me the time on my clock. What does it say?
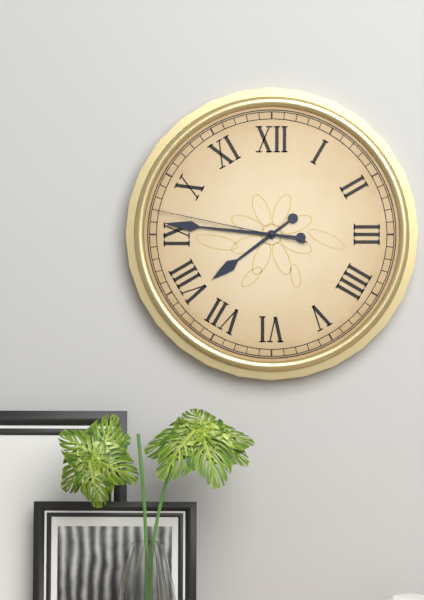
7:46:47
